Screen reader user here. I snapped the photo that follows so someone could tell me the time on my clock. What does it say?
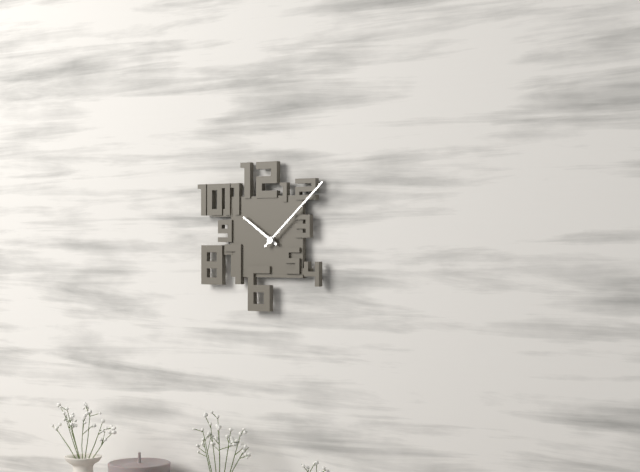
10:08
